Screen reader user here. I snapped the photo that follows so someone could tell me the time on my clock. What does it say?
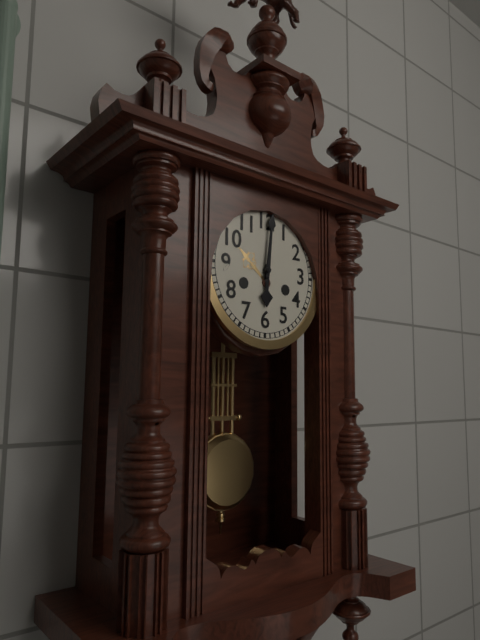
6:01
